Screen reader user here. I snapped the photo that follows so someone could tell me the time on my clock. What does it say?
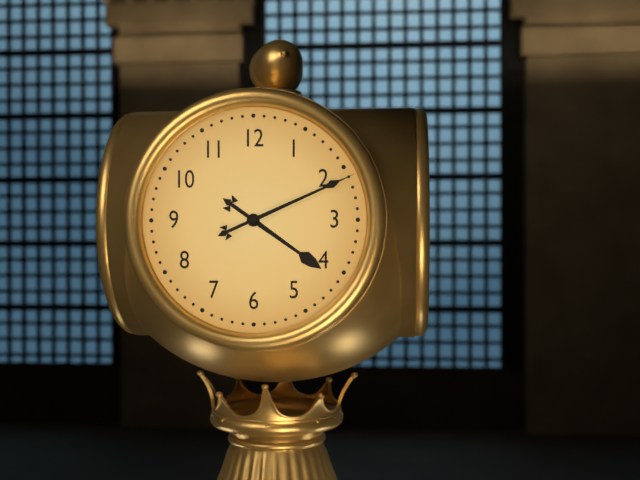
4:11
